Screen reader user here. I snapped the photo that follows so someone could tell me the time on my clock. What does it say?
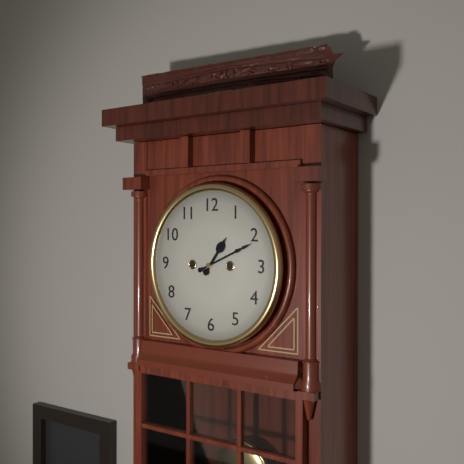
1:11
